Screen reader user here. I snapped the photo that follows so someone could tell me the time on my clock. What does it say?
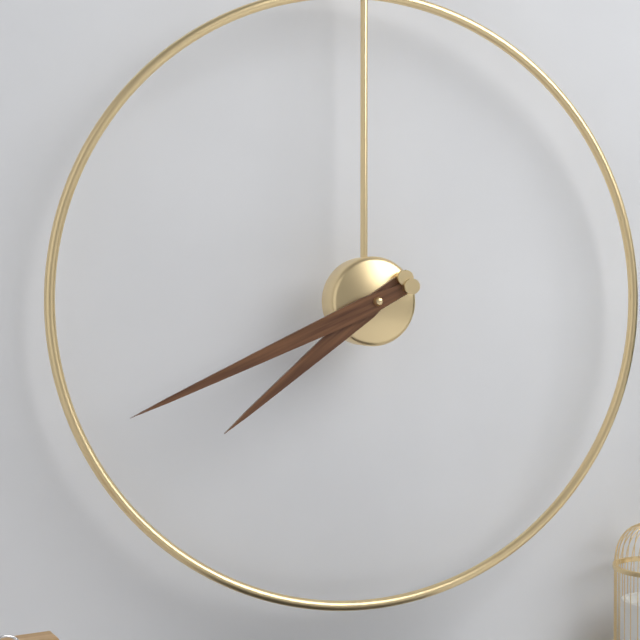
7:41
